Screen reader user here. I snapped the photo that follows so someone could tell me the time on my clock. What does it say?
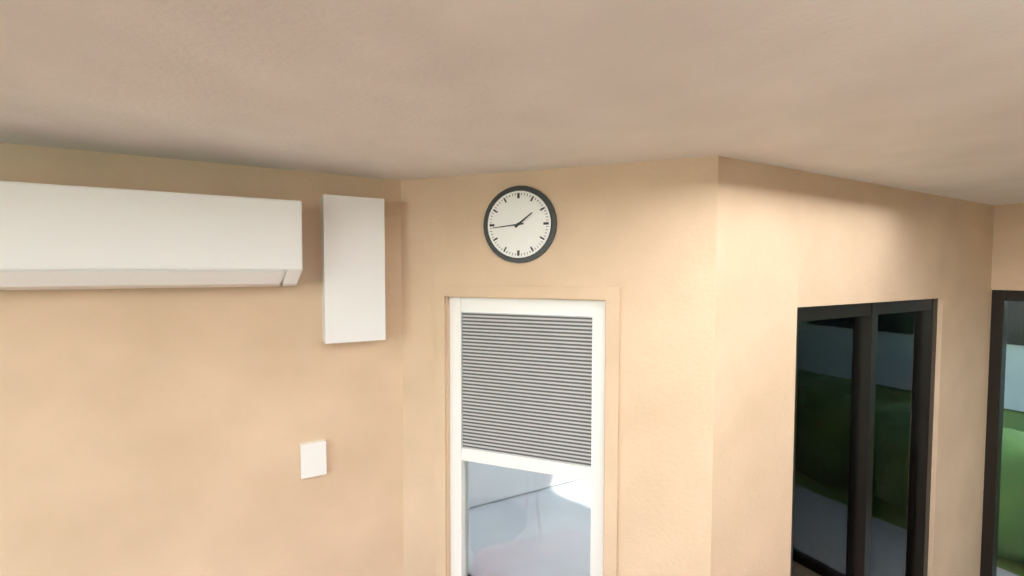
1:44
